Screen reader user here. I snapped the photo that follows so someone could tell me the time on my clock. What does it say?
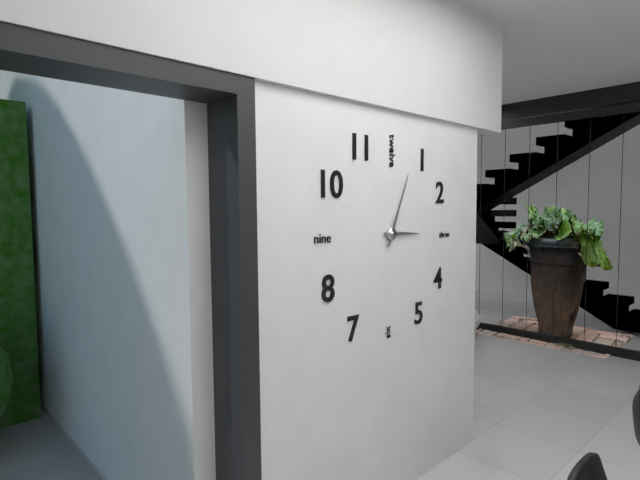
3:04
